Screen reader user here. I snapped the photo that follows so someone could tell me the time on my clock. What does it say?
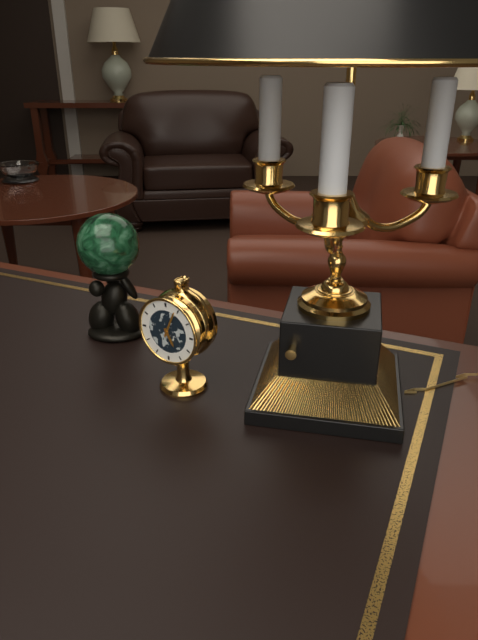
5:04
